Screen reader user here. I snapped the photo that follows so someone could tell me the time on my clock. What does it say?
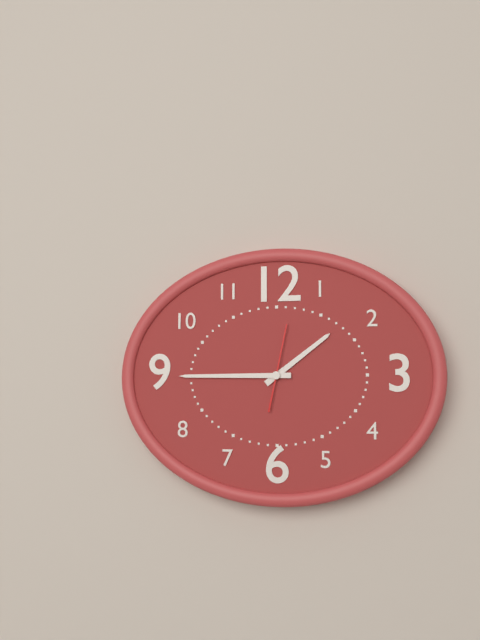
1:45:02
